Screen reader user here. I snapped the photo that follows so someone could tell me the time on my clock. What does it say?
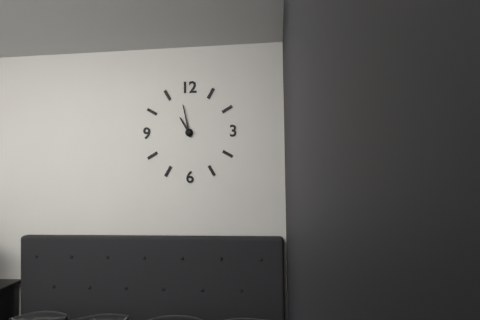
10:58
